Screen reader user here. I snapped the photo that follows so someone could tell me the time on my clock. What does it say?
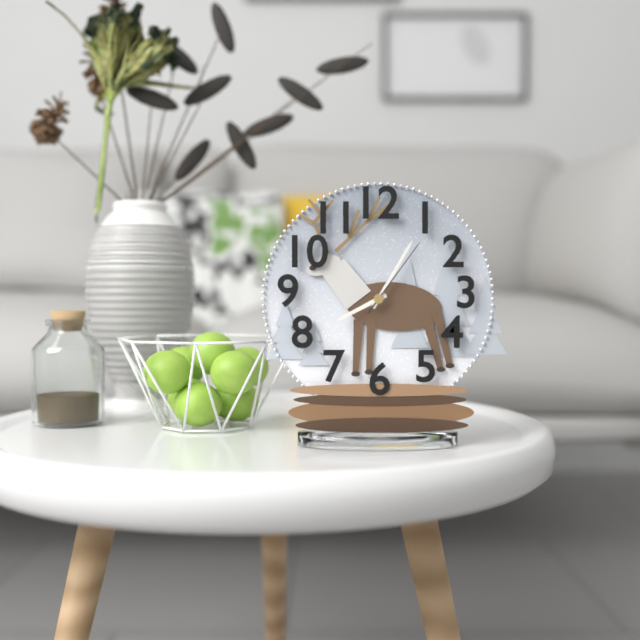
8:05:06
